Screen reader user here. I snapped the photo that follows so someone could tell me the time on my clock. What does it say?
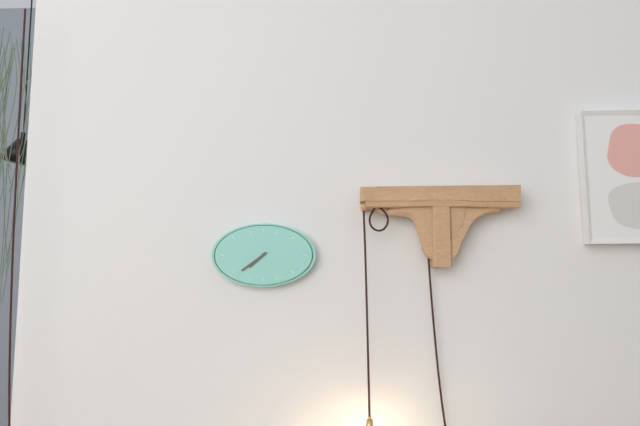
7:39
